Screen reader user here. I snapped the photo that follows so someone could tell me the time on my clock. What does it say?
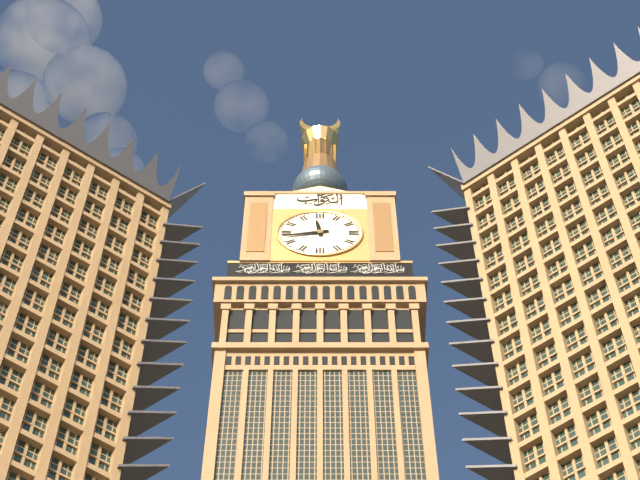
11:43
